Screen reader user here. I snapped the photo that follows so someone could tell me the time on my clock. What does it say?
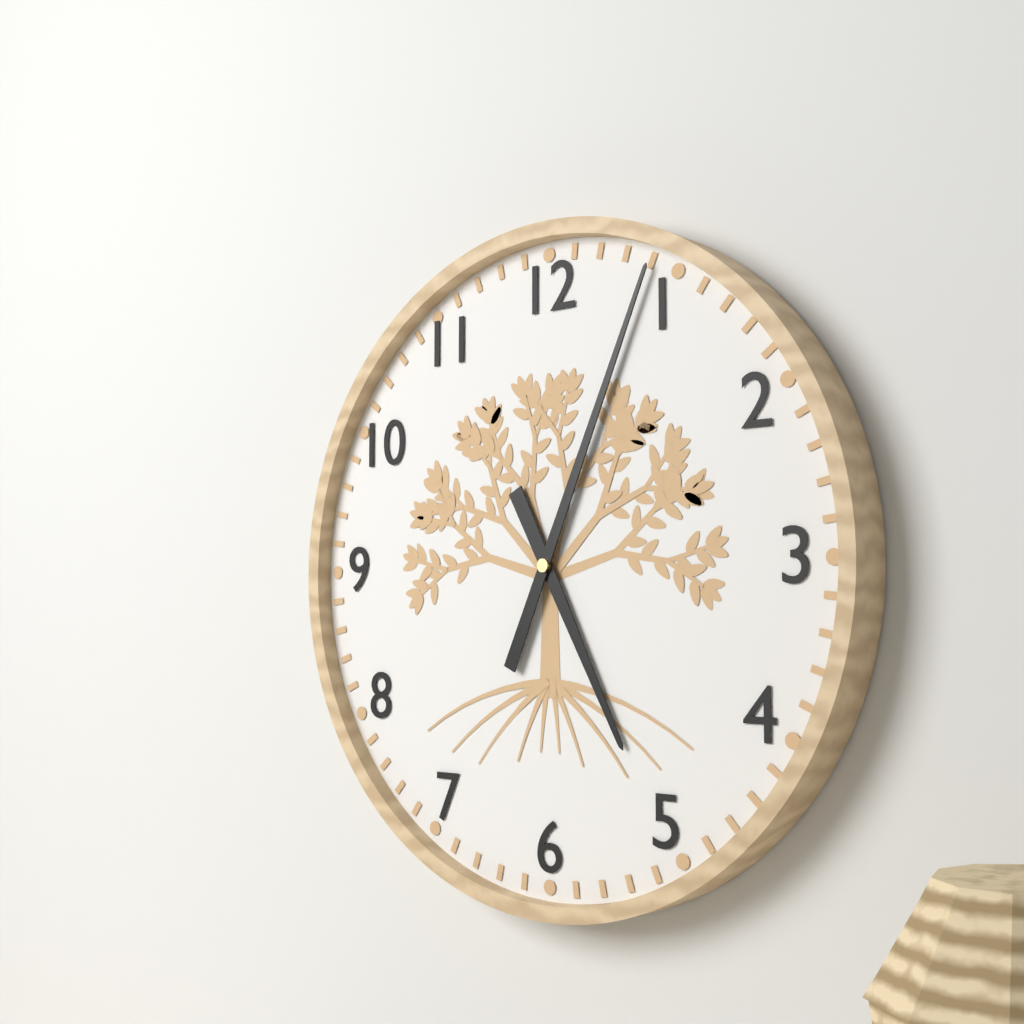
5:04
